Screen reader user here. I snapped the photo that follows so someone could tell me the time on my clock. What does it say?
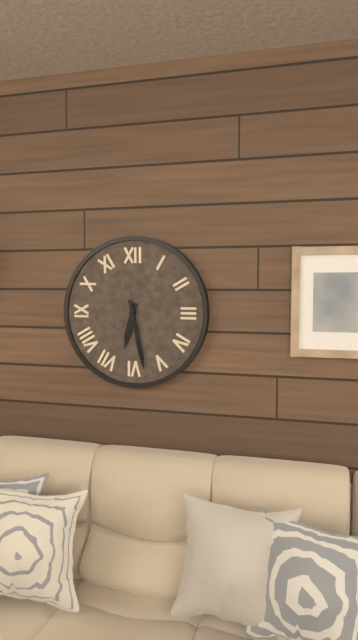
6:28
